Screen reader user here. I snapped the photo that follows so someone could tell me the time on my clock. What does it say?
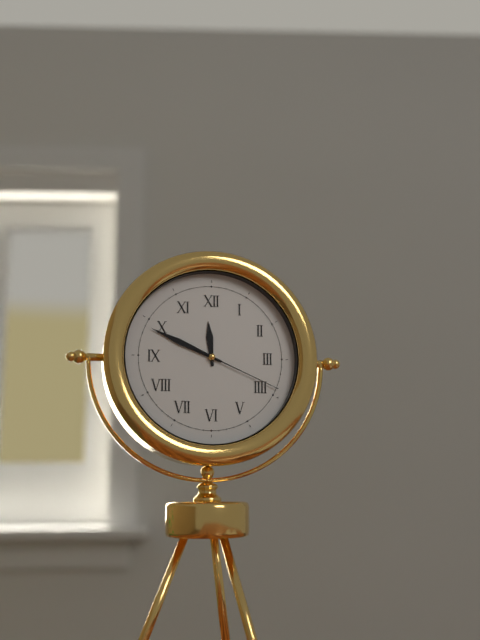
11:49:19
